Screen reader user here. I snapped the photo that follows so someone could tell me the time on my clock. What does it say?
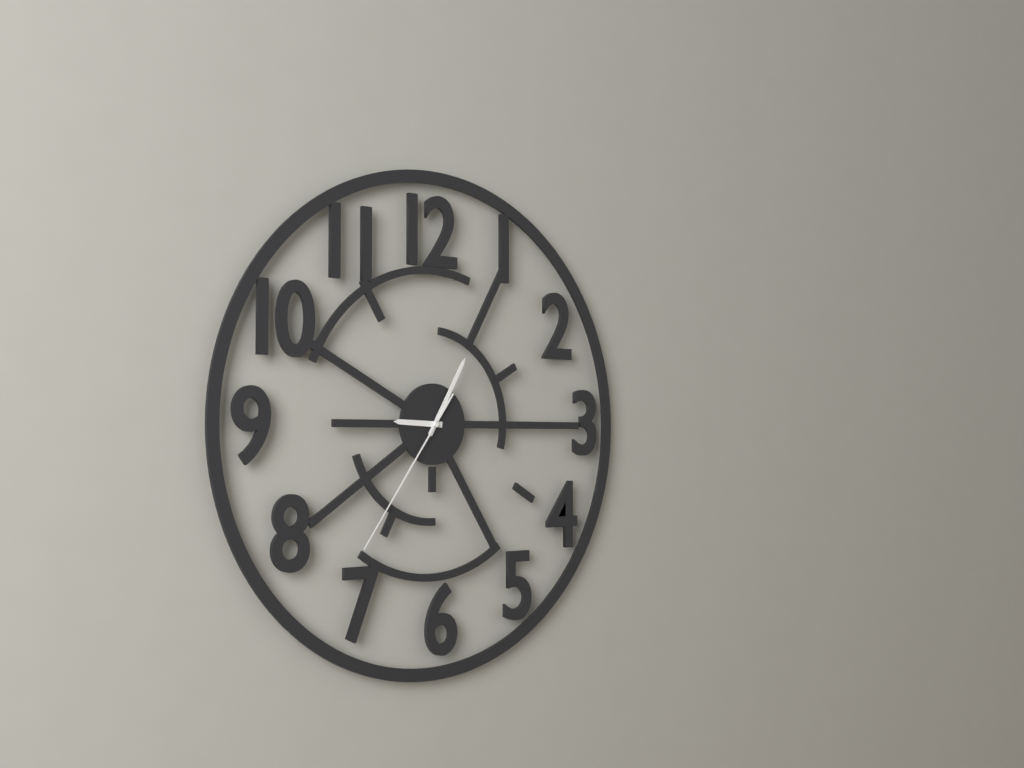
9:05:36
